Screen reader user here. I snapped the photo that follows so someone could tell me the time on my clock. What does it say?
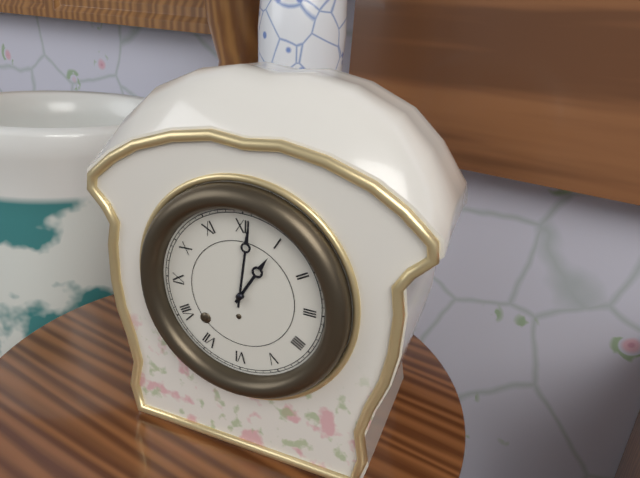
1:01
